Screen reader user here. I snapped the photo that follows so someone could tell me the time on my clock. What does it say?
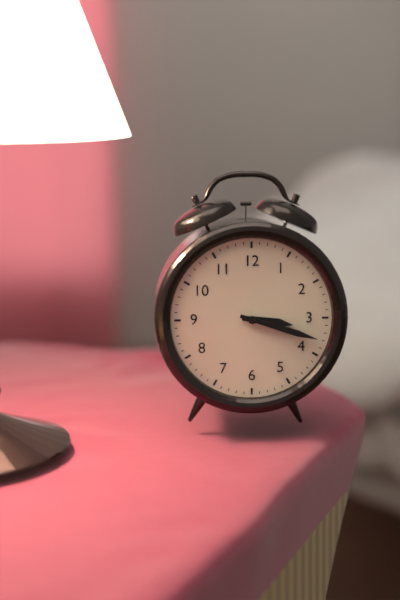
3:18
